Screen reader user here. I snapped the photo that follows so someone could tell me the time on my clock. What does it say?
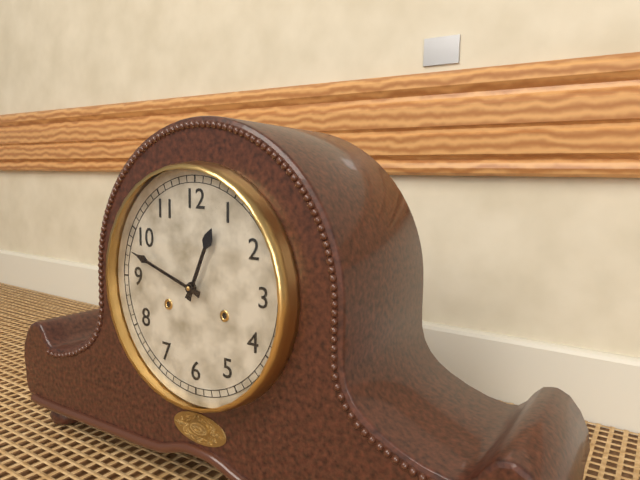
12:48
